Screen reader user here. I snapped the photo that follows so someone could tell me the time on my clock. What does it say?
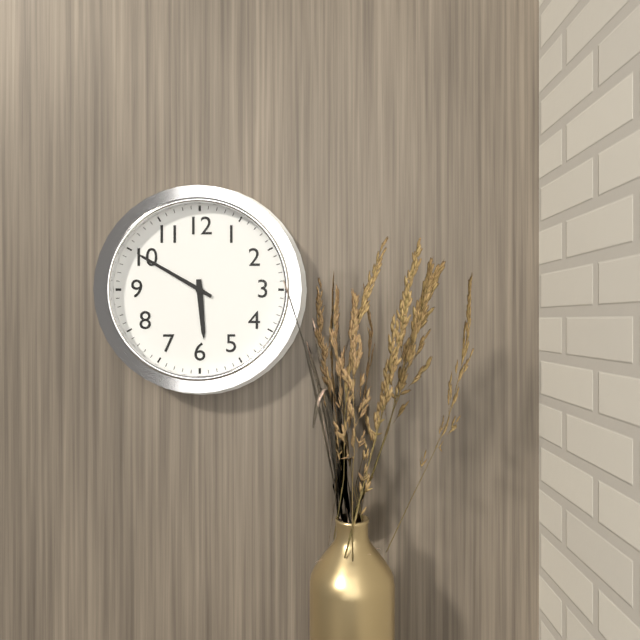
5:50
